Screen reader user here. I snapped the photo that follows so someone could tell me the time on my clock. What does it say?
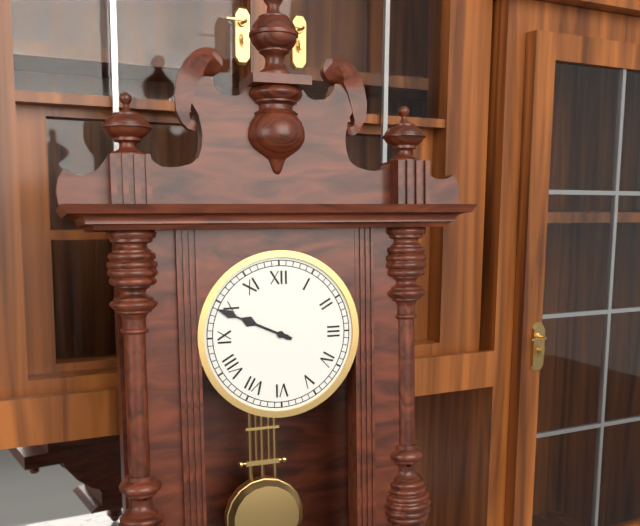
9:49
